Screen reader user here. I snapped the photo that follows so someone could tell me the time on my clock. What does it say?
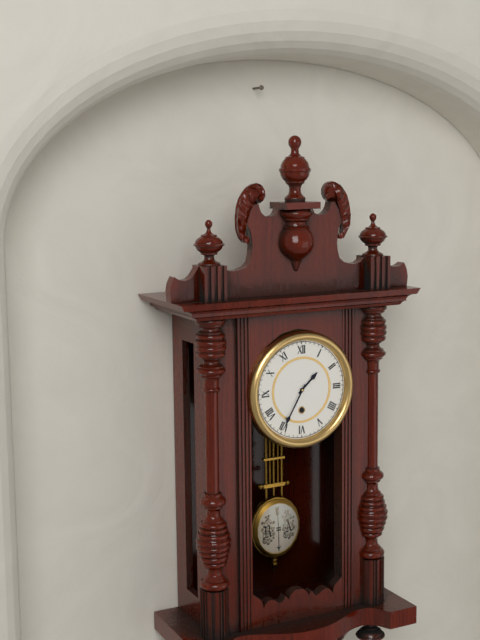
1:35
